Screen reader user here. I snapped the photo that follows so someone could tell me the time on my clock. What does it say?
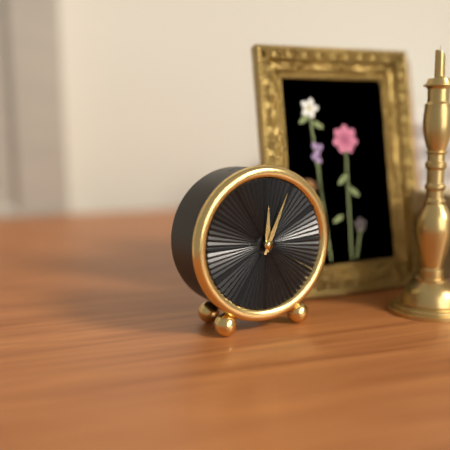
12:04
